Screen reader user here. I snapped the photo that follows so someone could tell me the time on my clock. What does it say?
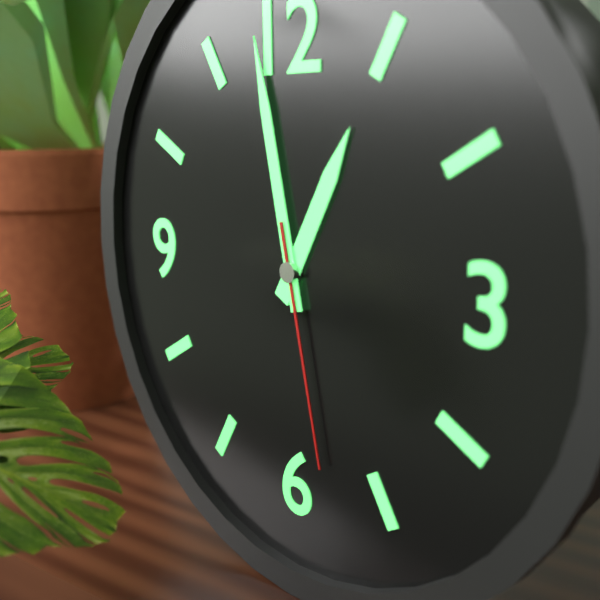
12:58:28
